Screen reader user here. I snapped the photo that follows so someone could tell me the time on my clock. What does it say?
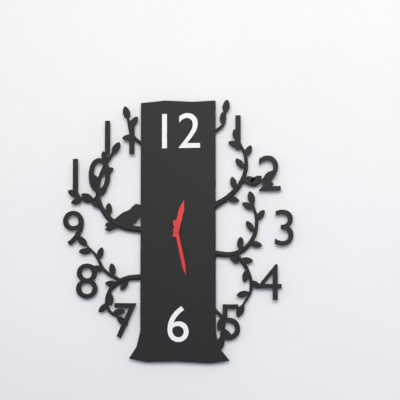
12:28
